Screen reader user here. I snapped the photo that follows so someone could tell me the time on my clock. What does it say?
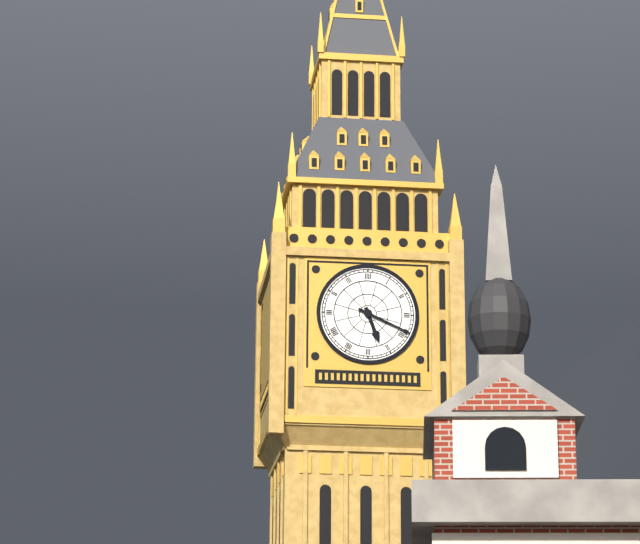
5:19
